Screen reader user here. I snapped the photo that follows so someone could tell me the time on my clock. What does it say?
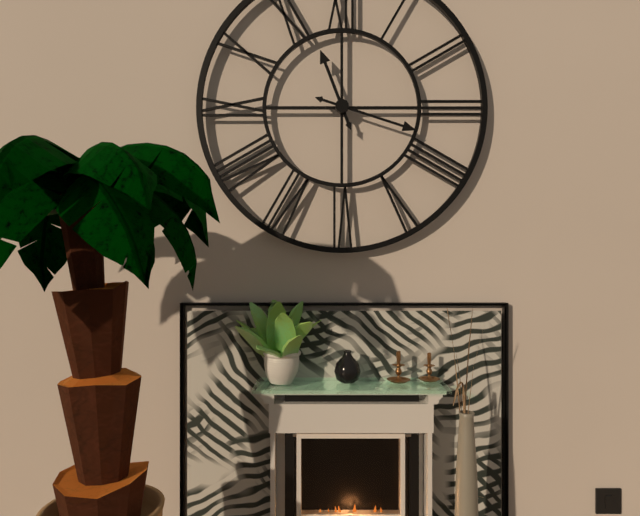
11:18
